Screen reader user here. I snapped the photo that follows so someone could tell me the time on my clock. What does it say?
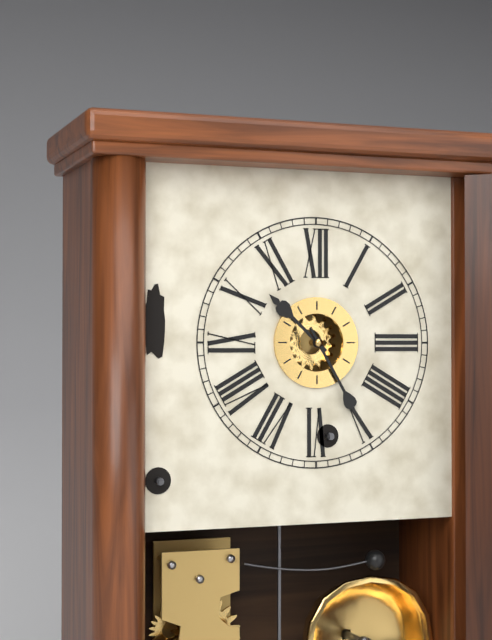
10:25
